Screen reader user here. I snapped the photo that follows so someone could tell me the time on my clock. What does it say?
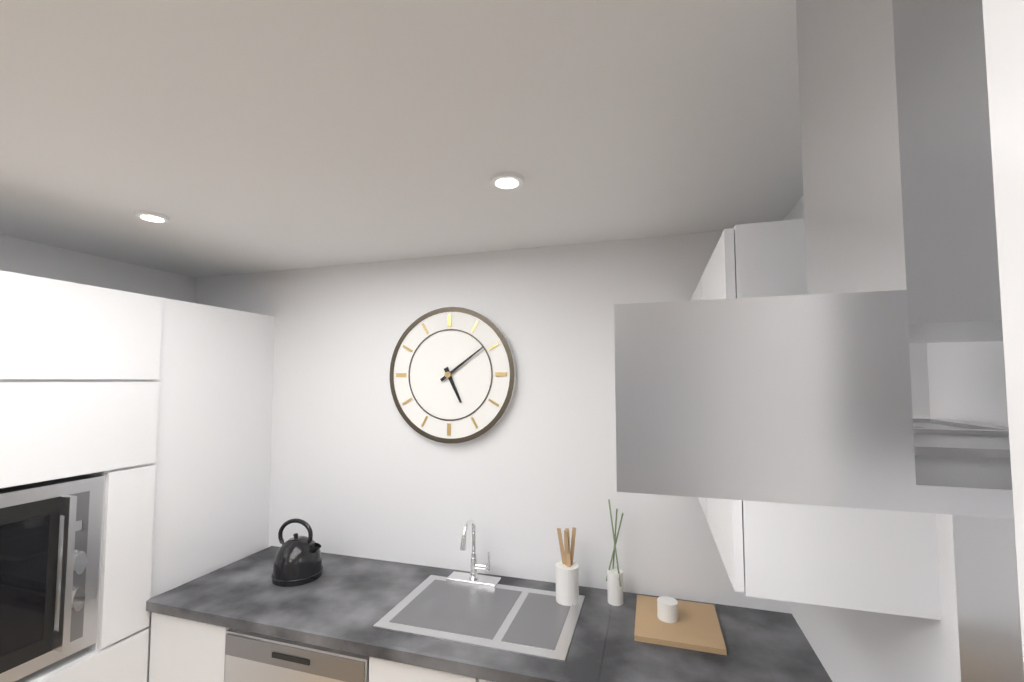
5:09
